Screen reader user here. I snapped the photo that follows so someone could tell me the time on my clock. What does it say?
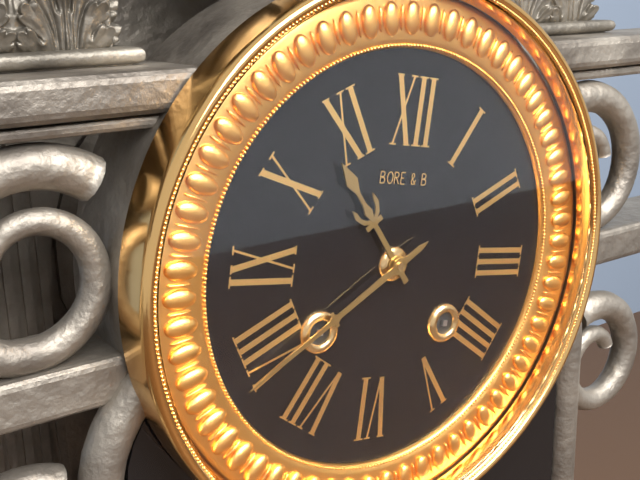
10:39
